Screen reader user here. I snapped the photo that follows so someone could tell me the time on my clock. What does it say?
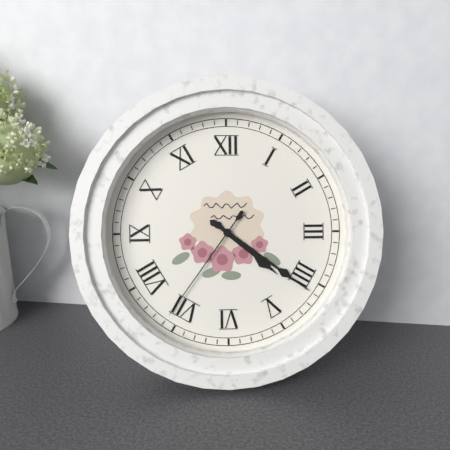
4:21:36
